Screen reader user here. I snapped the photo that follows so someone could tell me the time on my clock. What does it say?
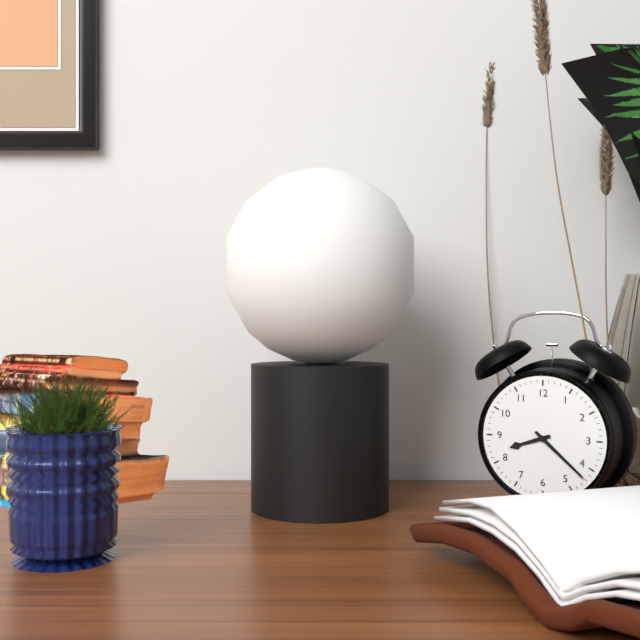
8:22
